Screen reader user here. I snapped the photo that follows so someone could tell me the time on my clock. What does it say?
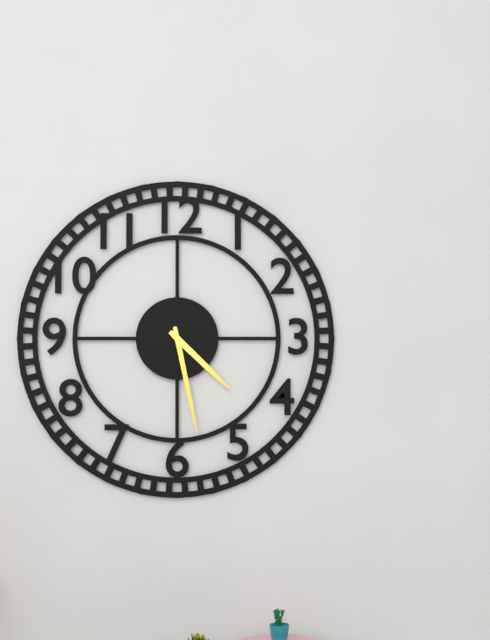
4:28
